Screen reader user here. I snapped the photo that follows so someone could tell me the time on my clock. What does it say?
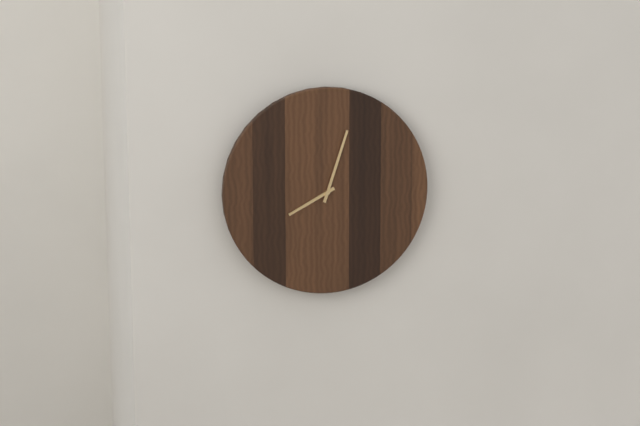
8:03
